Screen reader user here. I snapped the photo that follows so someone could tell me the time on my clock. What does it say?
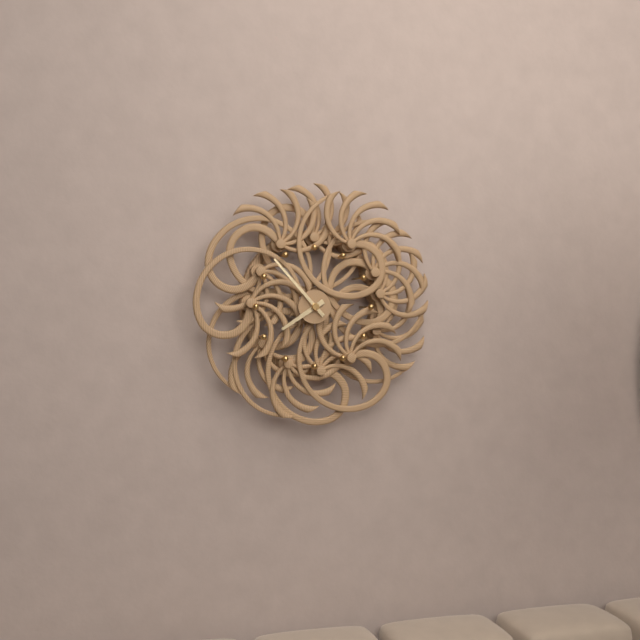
7:53
